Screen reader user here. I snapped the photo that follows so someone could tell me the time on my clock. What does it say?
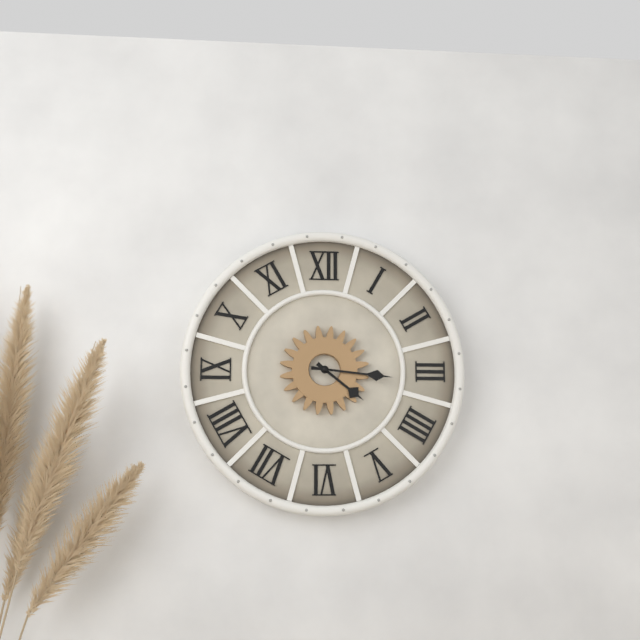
4:16
